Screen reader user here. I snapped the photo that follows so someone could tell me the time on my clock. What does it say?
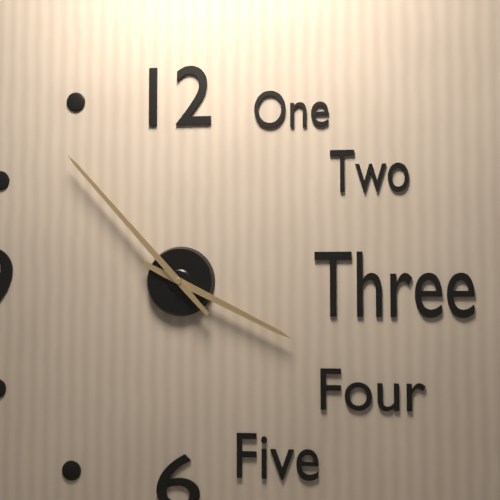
3:53
